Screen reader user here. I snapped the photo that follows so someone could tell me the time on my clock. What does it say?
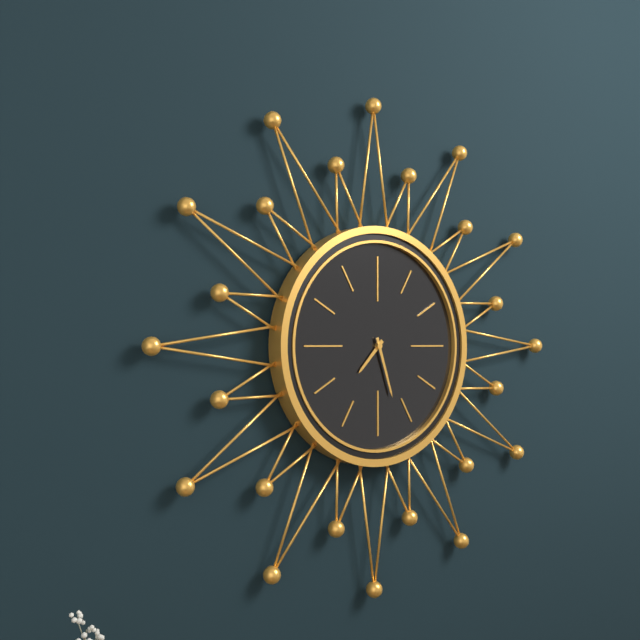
7:27
